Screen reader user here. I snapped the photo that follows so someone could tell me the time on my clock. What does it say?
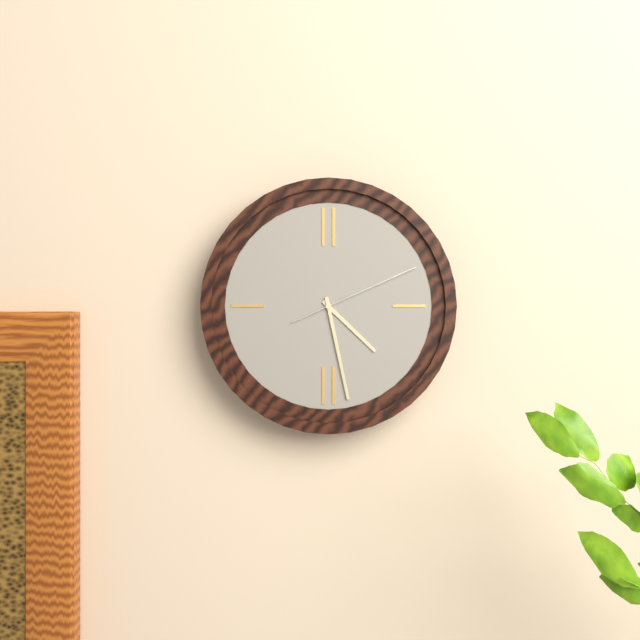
4:28:11
